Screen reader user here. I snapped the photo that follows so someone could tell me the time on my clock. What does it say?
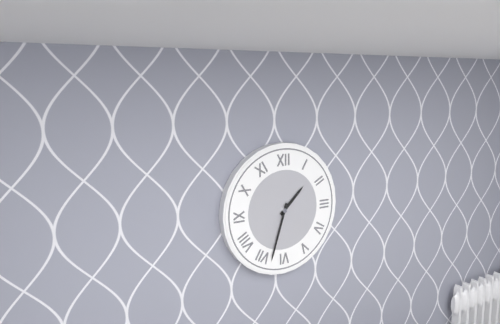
1:33
